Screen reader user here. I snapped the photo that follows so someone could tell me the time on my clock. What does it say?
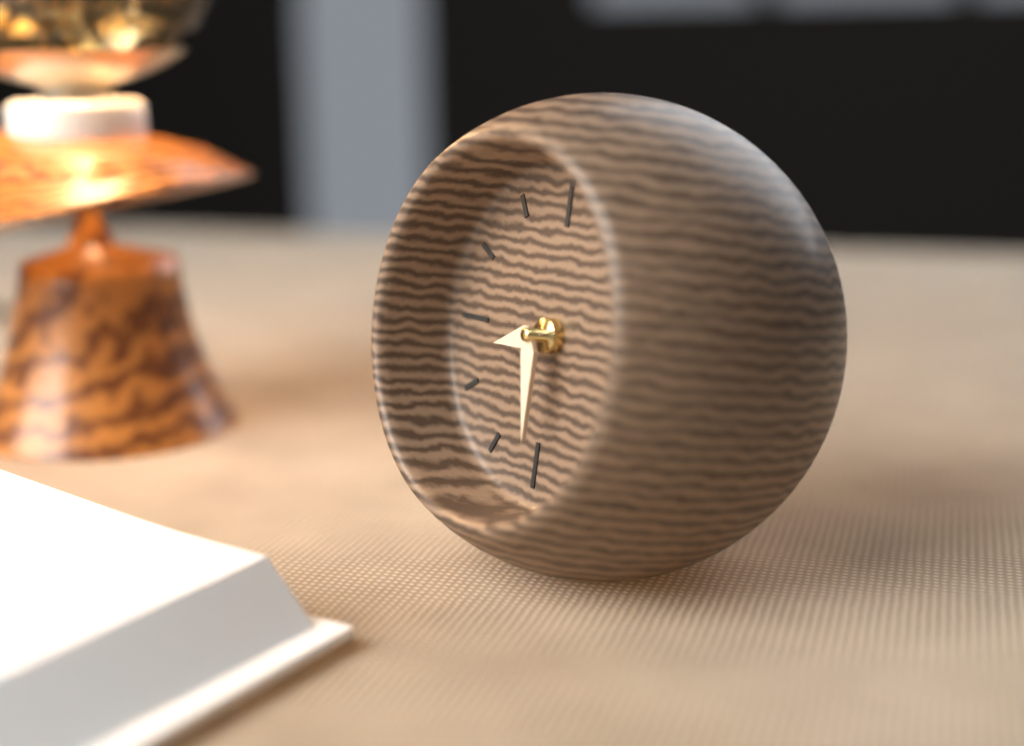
8:29
